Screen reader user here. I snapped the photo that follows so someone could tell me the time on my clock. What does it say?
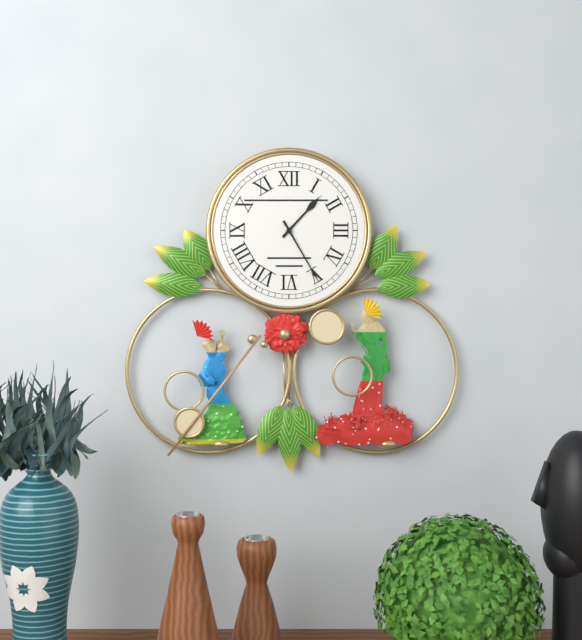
1:25
